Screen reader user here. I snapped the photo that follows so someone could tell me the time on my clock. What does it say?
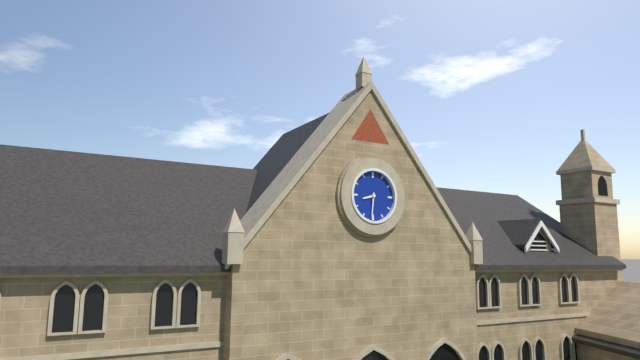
8:31
